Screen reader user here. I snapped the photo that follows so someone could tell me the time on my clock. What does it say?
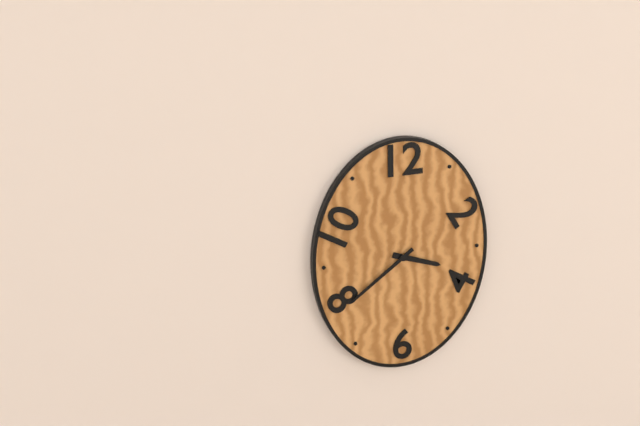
3:39
